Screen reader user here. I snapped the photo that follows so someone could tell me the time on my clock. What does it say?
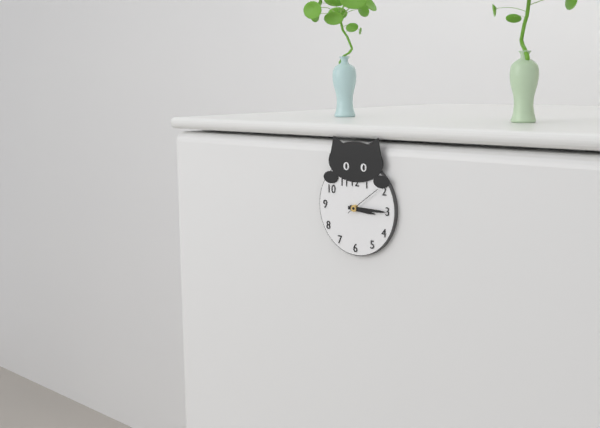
3:15
